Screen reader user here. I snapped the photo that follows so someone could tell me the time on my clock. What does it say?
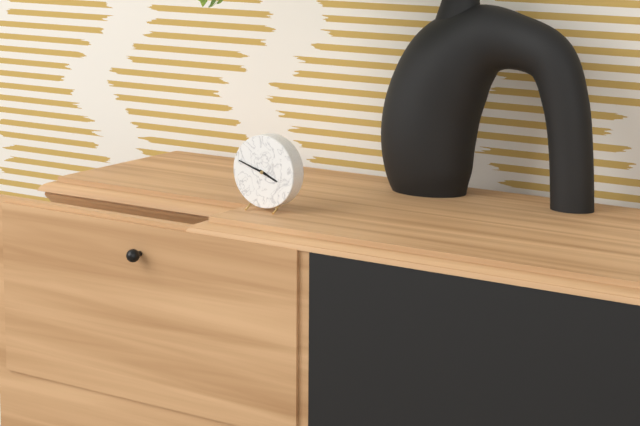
3:48
